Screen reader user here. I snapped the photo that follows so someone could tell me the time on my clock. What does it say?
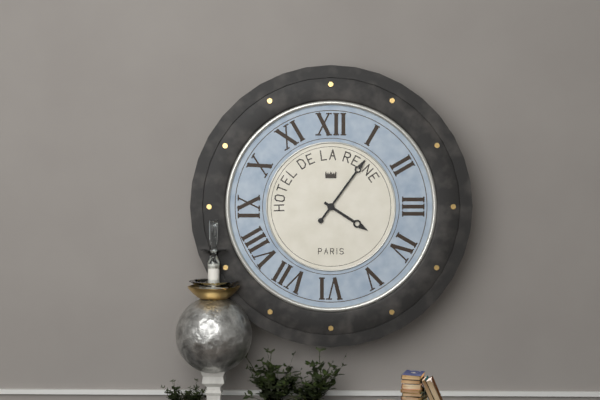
4:06
